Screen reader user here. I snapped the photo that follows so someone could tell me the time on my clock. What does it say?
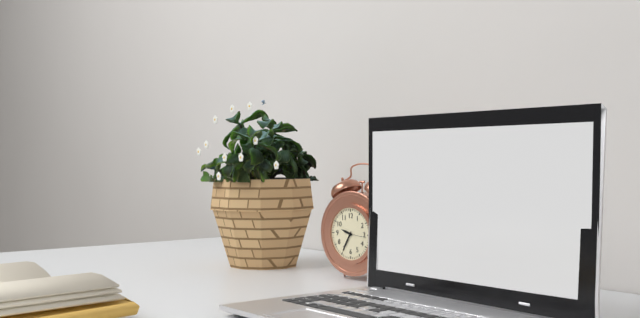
9:35
